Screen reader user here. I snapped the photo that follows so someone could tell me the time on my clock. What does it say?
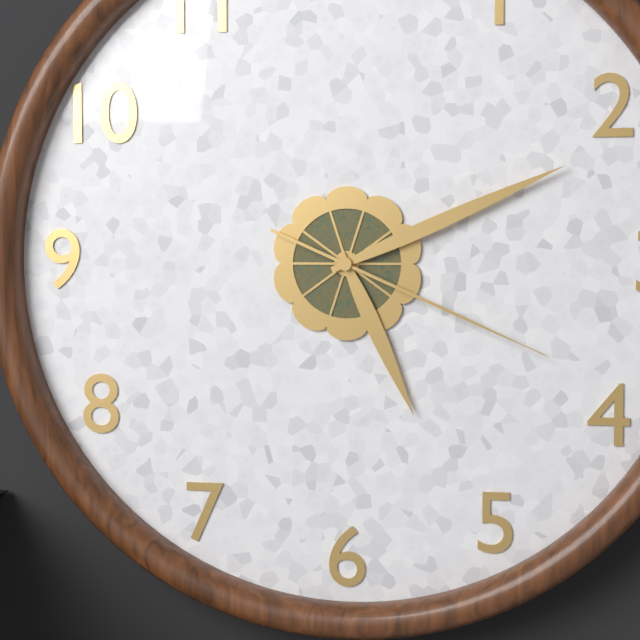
5:11:19
